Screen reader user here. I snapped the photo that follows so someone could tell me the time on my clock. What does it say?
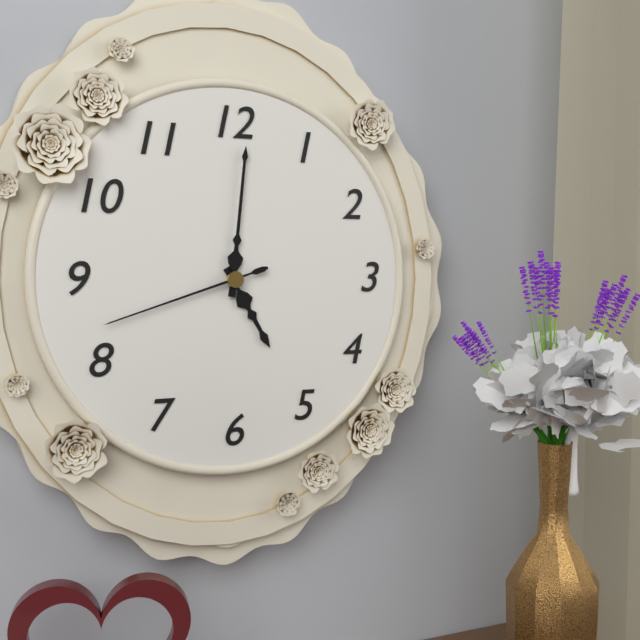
5:01:42
